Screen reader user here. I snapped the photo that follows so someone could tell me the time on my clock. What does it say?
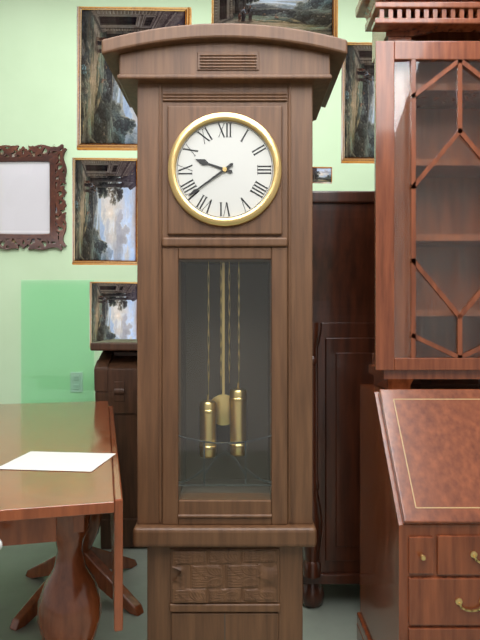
9:39
